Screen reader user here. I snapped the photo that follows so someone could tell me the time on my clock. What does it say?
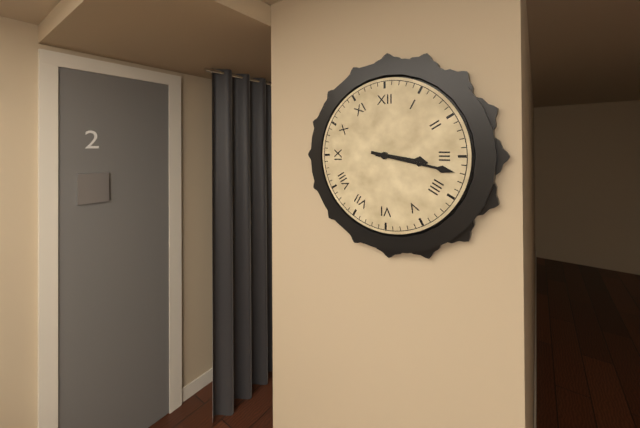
3:17
